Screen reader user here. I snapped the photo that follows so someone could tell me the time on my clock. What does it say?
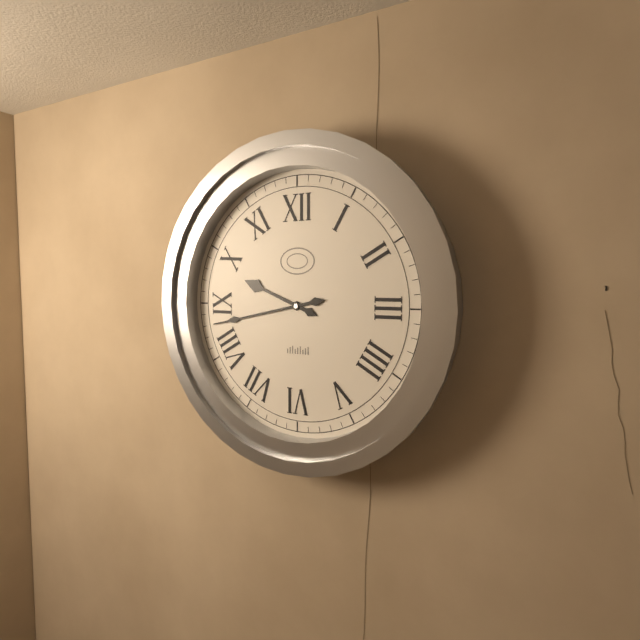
9:43
